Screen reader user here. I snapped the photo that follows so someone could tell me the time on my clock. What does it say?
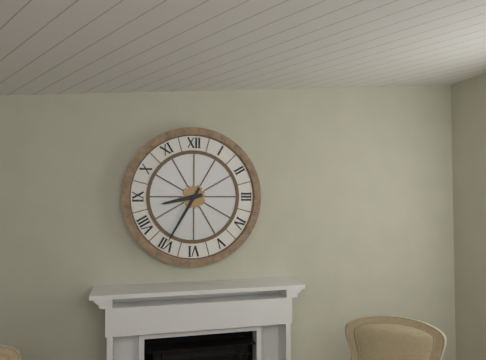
8:35
